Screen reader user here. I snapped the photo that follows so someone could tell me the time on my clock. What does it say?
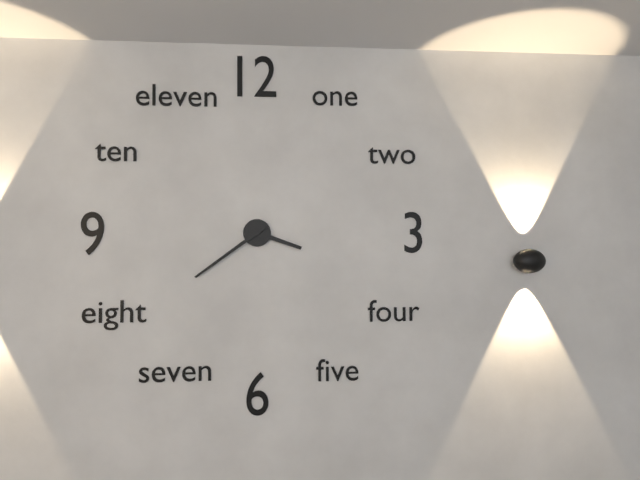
3:39
